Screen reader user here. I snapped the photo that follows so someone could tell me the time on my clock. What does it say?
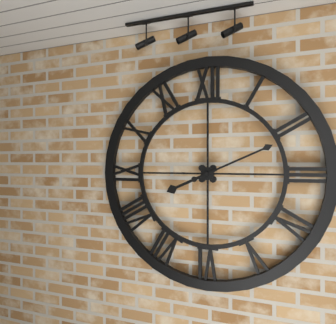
8:11
